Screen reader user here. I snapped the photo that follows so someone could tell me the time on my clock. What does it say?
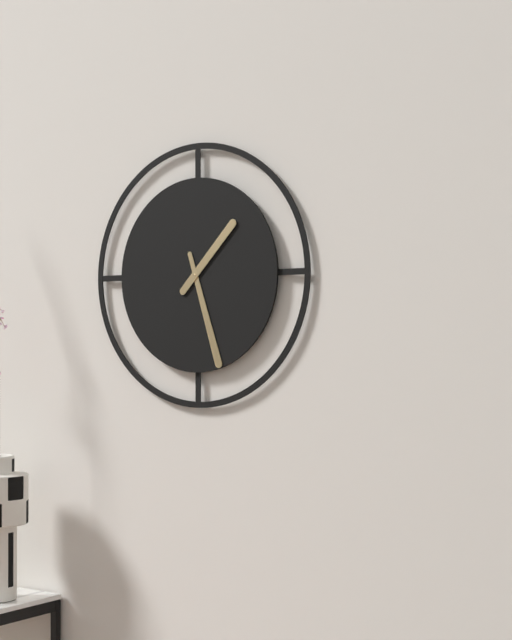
1:27
